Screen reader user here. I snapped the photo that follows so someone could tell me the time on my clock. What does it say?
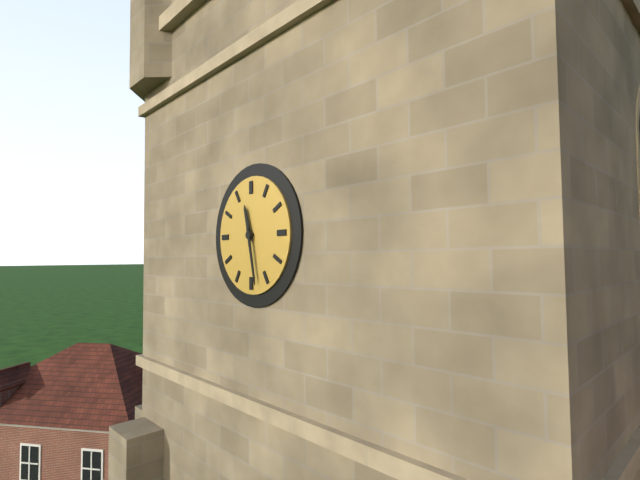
11:28
